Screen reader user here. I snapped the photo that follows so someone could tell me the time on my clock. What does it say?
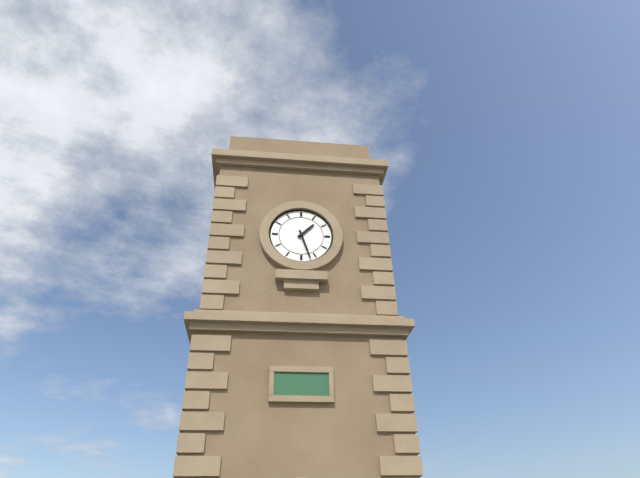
1:27
